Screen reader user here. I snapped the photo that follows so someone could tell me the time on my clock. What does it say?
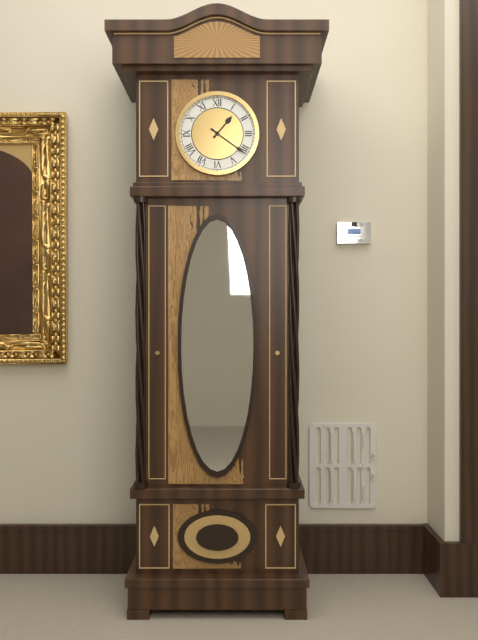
1:21
